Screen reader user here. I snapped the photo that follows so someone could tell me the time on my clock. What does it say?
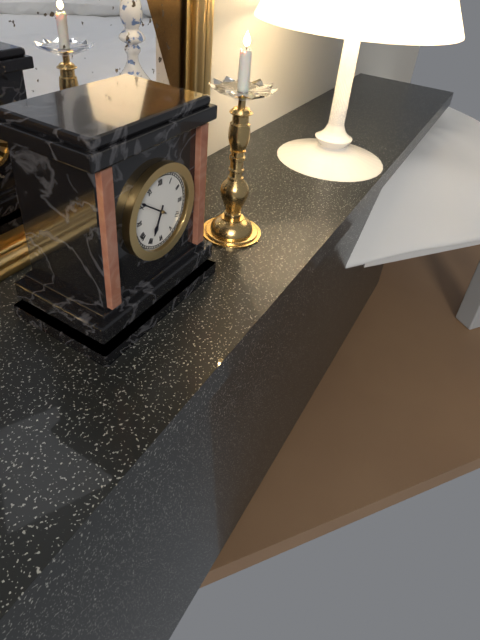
6:51
